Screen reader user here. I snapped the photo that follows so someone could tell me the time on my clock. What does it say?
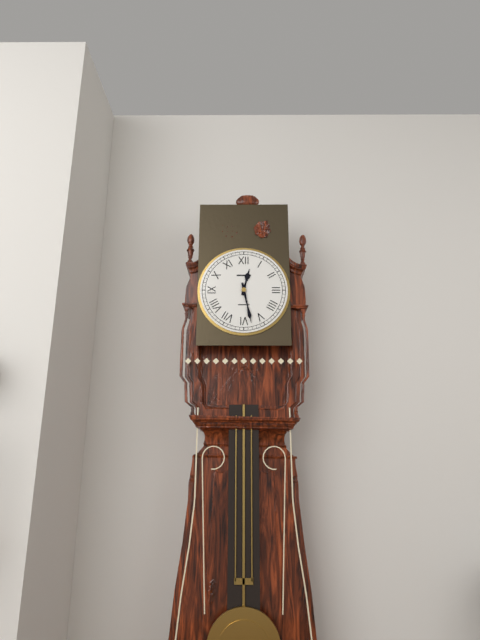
12:28
